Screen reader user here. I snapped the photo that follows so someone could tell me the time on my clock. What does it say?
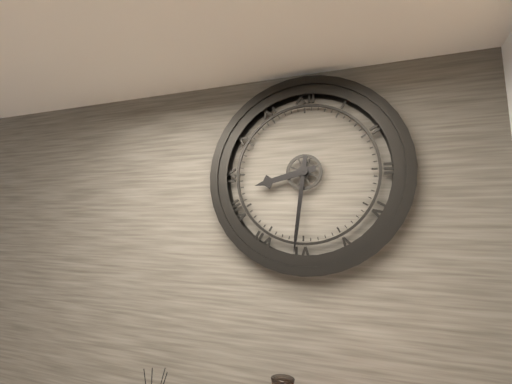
8:31
